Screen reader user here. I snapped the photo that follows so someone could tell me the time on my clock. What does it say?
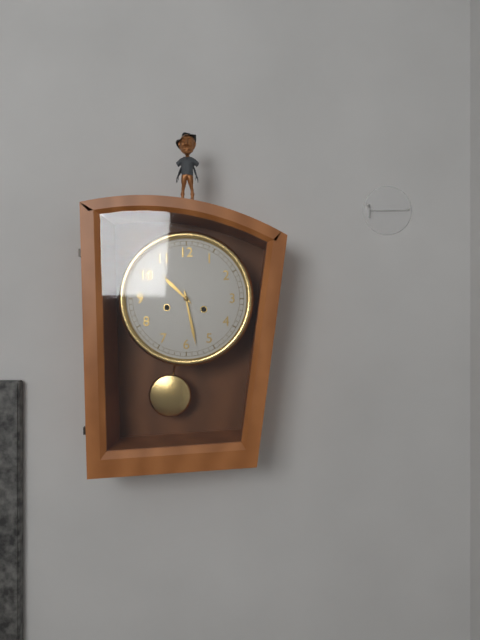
10:28
